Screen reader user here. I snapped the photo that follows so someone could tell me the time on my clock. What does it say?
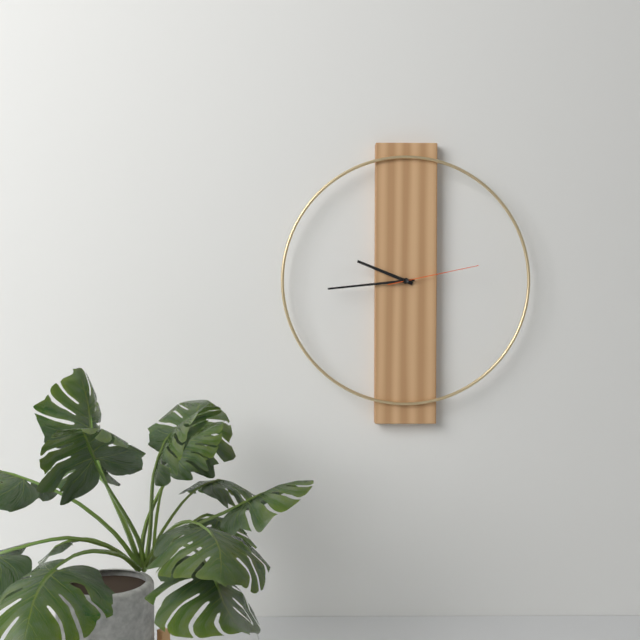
9:44:13
